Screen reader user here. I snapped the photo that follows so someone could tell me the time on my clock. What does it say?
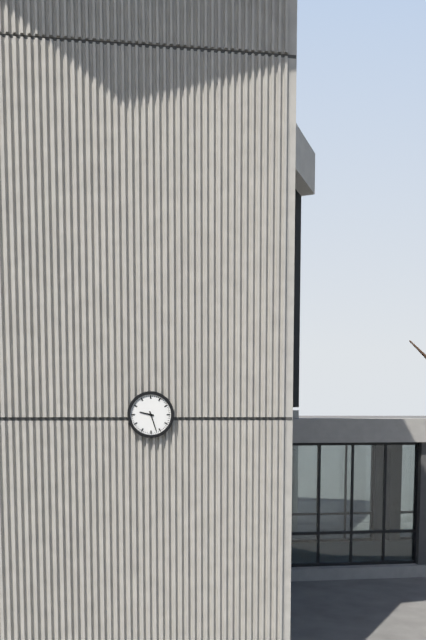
9:27
